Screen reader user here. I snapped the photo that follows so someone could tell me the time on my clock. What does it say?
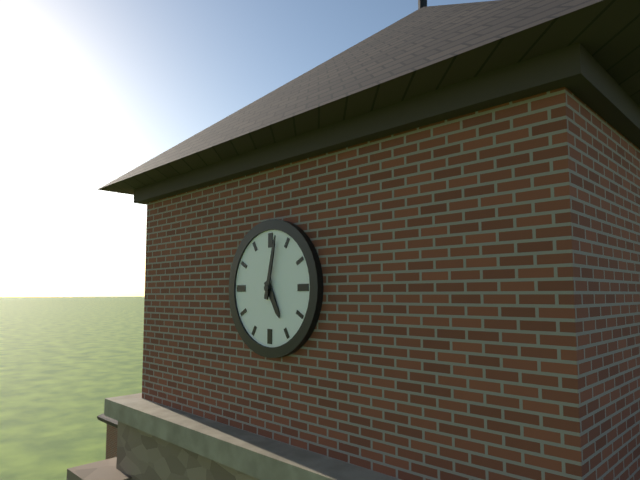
5:02
